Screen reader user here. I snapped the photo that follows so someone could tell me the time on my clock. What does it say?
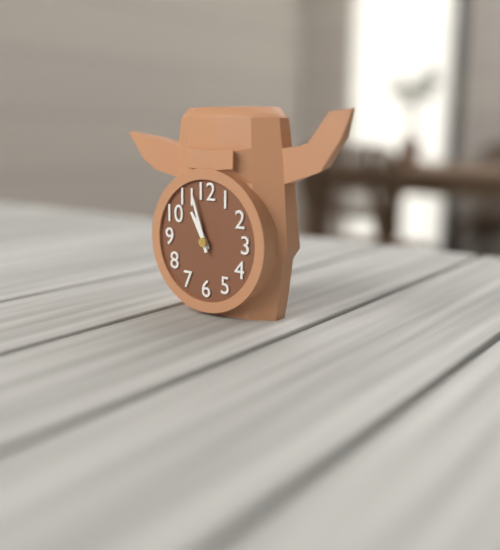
10:57
